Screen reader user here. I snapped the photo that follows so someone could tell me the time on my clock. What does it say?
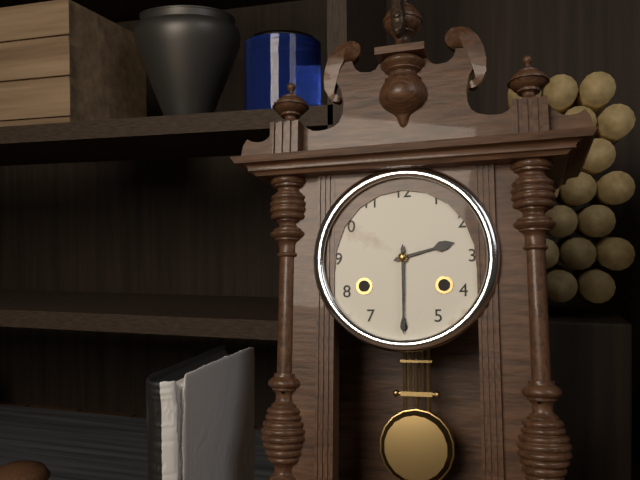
2:30
